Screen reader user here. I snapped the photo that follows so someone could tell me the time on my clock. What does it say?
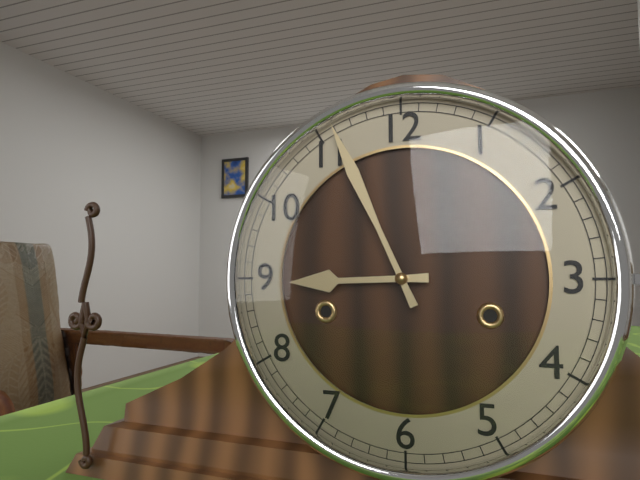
8:56
